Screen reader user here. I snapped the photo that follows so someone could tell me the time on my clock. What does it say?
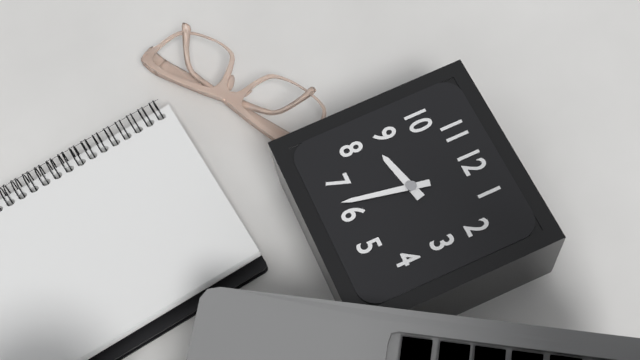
8:32
